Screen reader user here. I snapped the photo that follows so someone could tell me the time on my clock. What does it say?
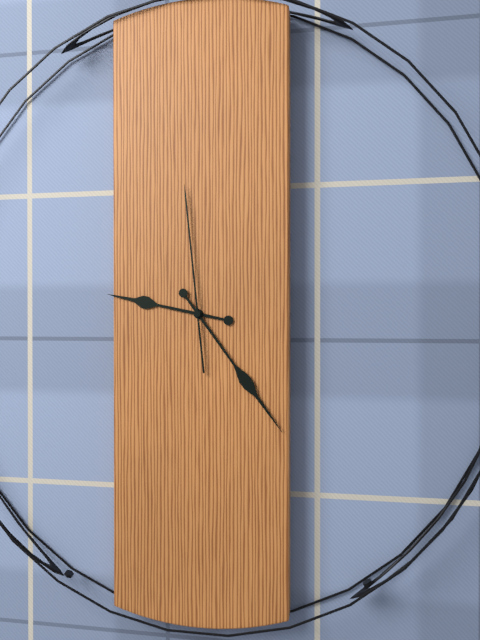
9:24:59
